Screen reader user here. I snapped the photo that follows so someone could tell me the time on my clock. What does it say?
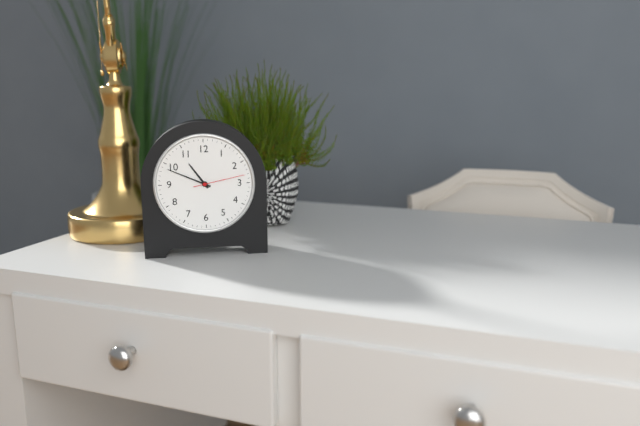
10:49:13
